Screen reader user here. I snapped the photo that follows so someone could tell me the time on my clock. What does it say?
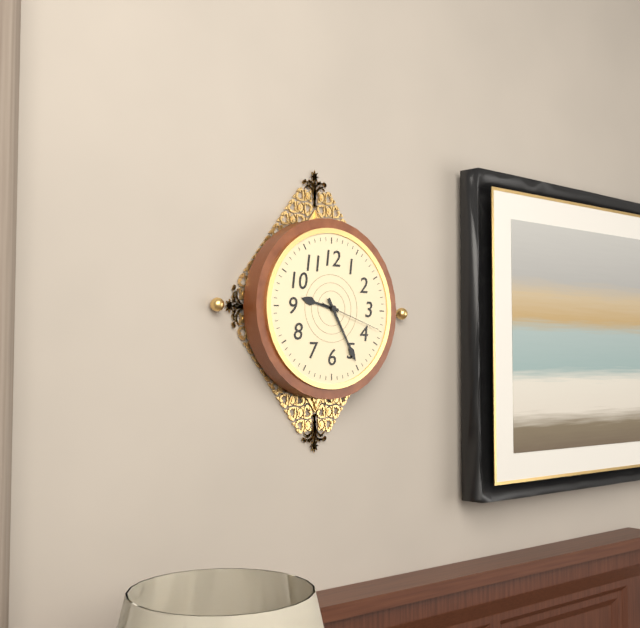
9:25:18
